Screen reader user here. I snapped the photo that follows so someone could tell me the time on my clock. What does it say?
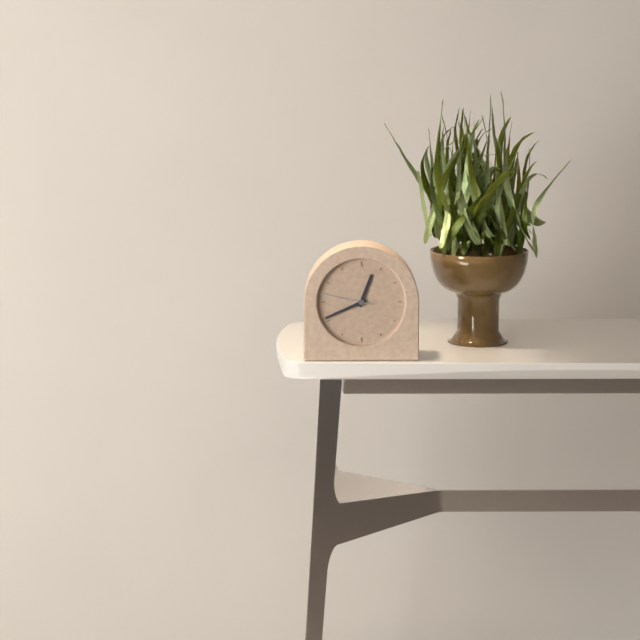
12:41:47
